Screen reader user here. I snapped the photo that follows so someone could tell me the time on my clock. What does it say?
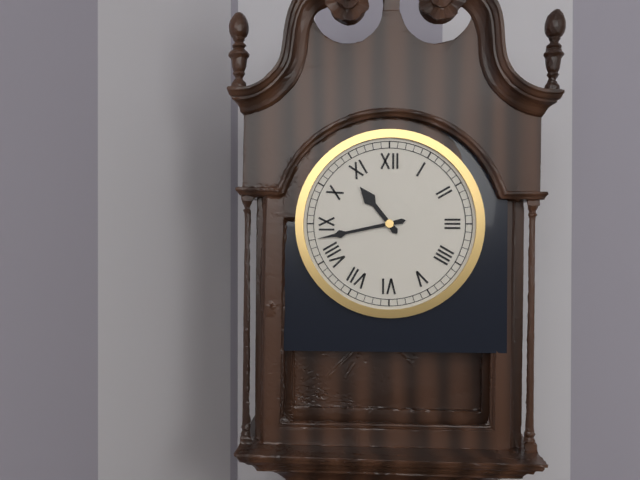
10:43
